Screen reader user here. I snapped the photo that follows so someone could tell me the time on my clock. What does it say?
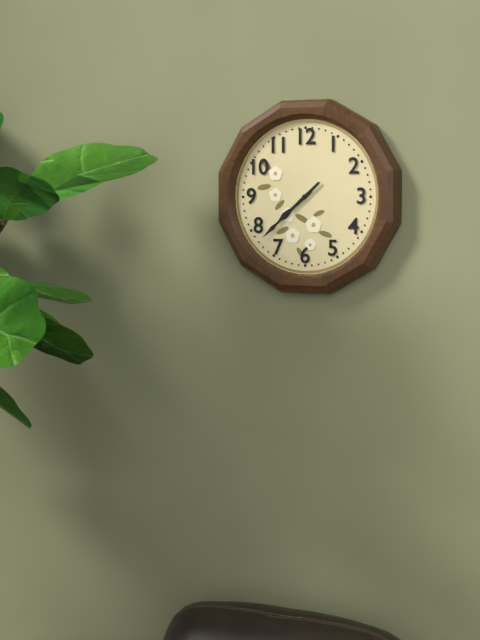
7:38
